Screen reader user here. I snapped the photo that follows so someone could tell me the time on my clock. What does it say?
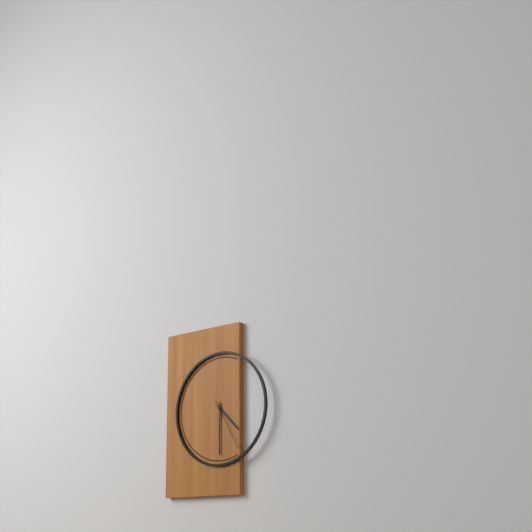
4:30:25
